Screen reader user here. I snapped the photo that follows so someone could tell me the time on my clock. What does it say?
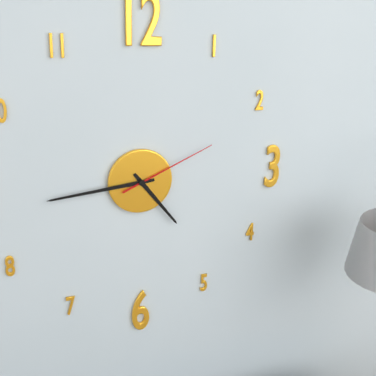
4:44:11
